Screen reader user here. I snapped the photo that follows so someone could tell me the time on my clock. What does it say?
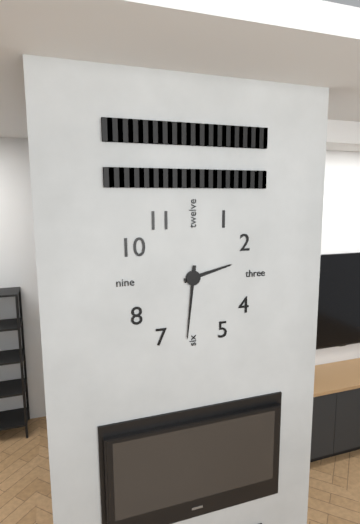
2:31
